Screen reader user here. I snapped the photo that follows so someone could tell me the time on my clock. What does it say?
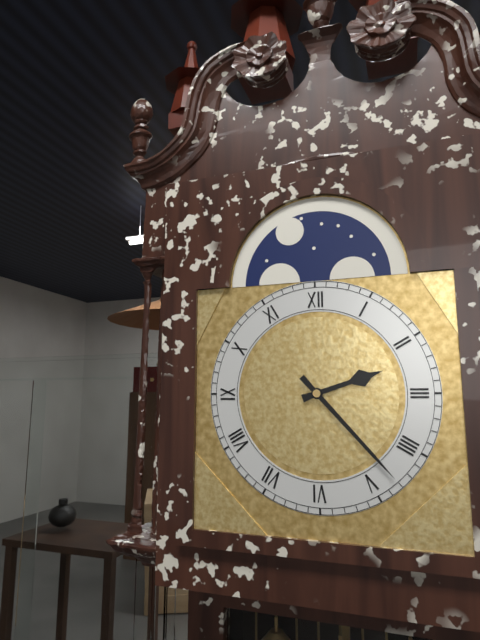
2:23
